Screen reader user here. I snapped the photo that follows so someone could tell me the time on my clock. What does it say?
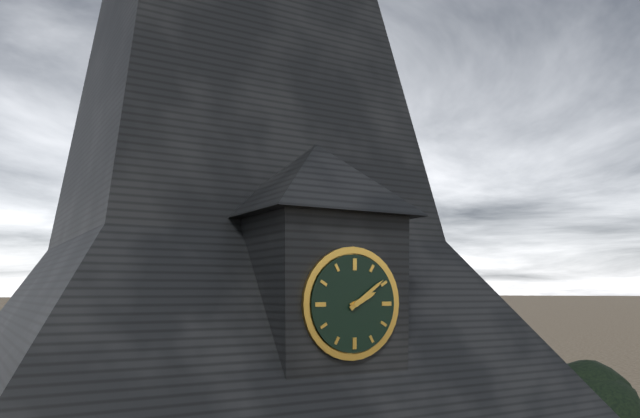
2:09
